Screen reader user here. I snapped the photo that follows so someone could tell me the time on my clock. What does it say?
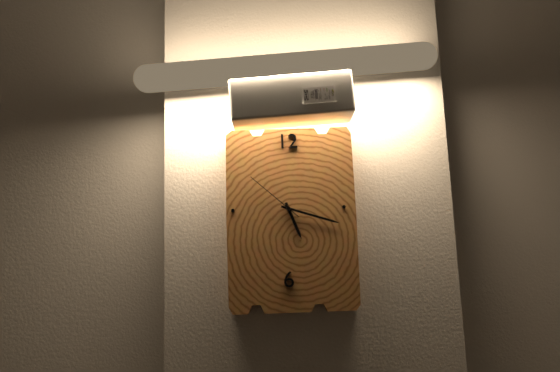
5:18:52
